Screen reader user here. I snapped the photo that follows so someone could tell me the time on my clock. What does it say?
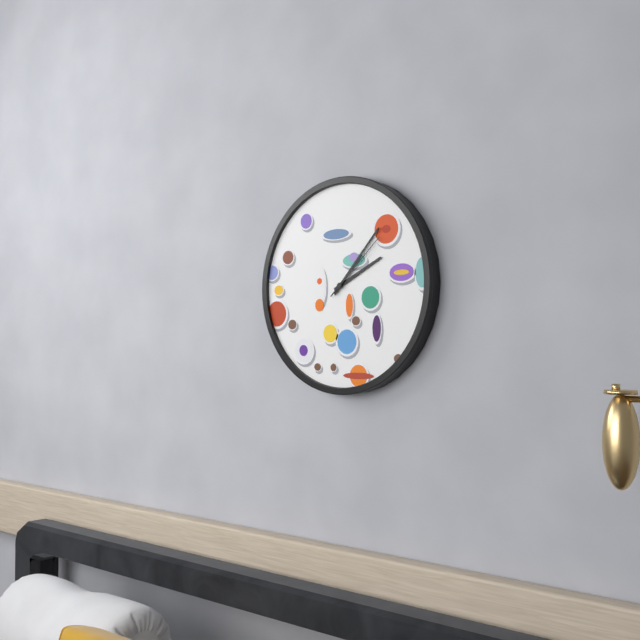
2:07:08
